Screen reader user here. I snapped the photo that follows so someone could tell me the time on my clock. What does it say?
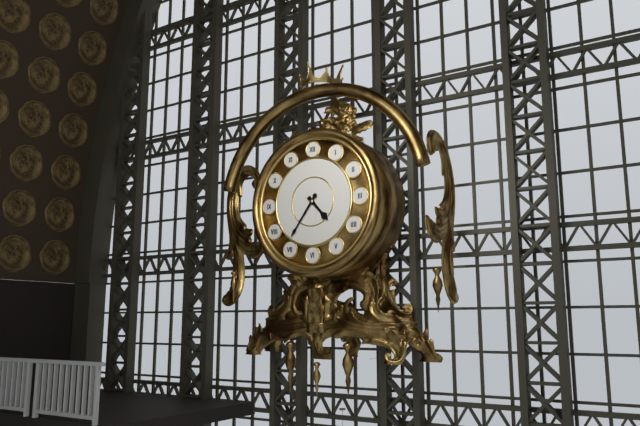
4:36
